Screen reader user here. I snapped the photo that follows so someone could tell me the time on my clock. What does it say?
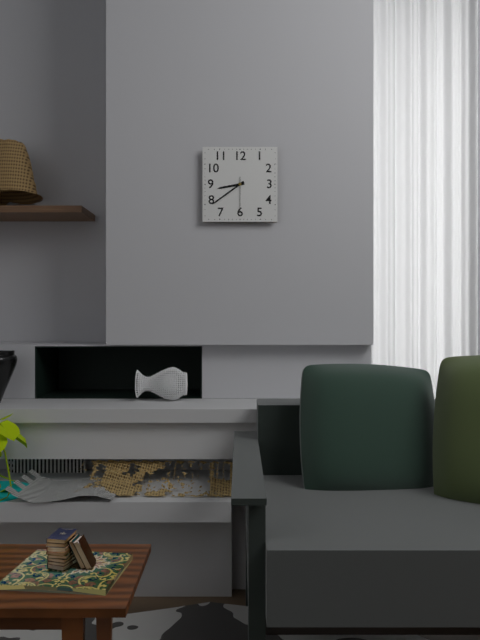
8:39
